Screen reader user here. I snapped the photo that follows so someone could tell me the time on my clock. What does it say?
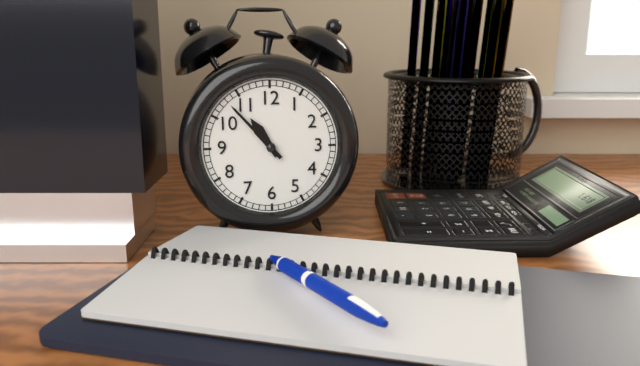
10:53
